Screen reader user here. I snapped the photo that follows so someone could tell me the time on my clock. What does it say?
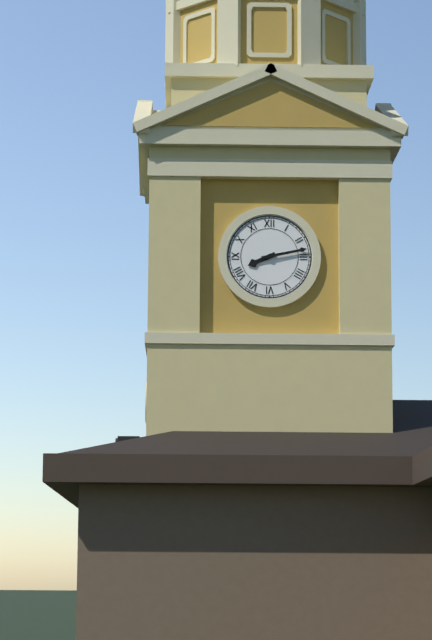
8:13
